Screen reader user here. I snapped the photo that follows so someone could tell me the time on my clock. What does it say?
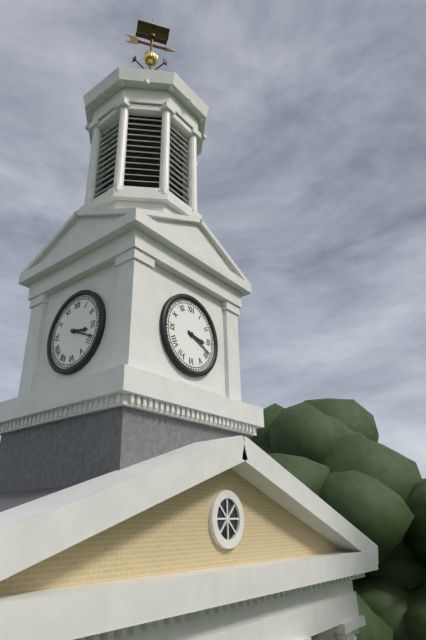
3:19
